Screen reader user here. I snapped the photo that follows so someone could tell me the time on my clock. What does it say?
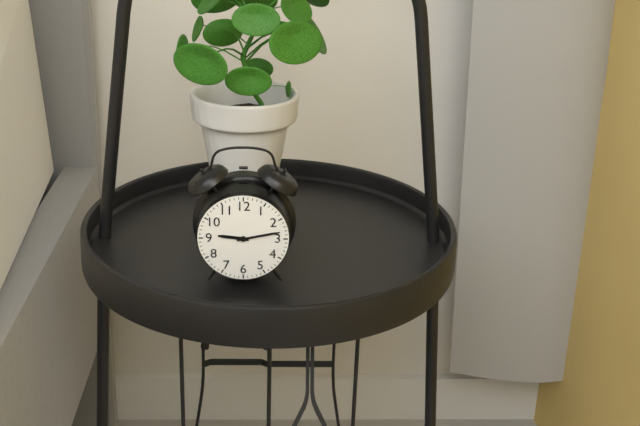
9:13
